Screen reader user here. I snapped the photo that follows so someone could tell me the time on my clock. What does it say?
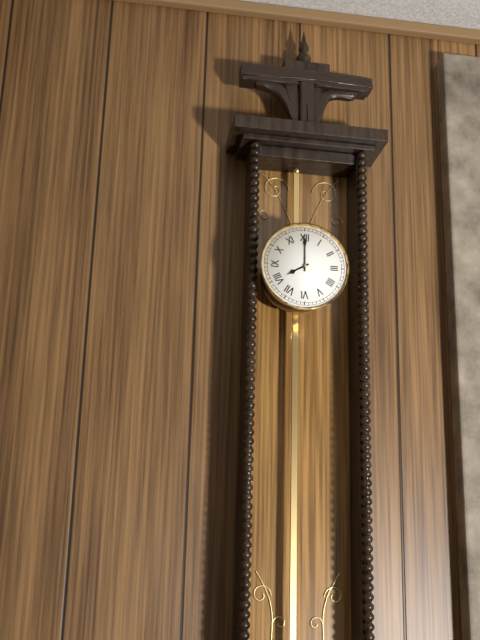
8:00
